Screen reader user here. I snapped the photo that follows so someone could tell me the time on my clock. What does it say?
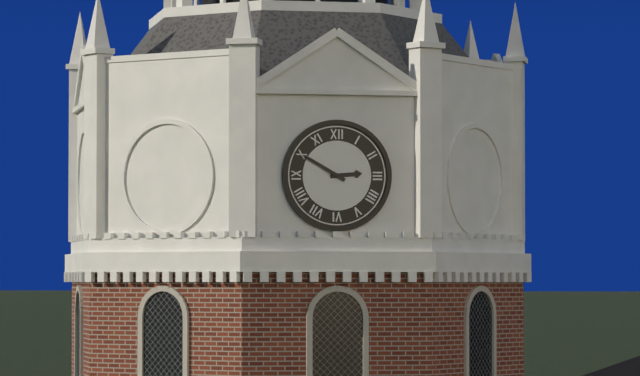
2:50
